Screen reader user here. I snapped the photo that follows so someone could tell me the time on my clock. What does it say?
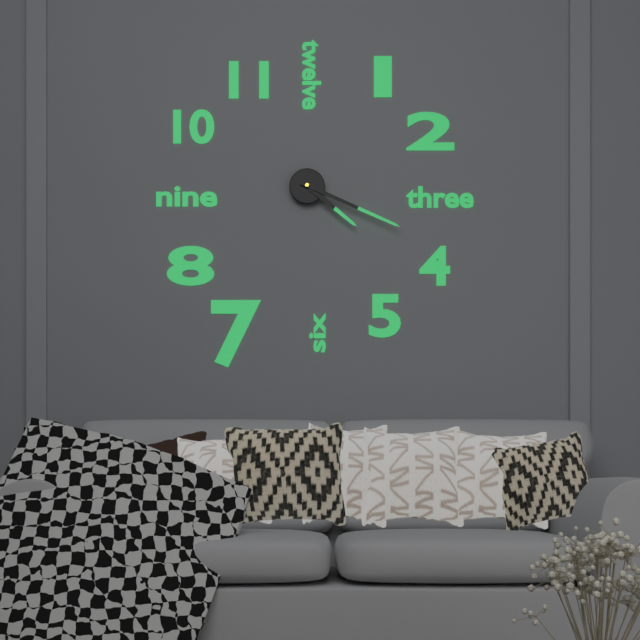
4:19
